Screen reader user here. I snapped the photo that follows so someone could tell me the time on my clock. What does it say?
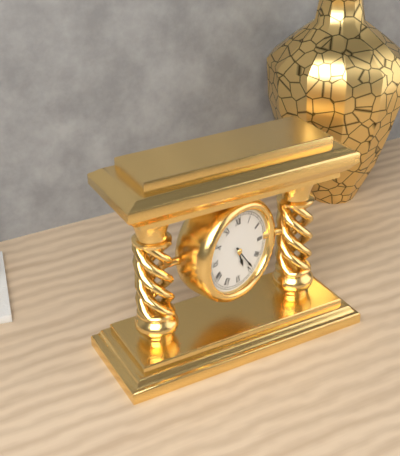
5:24
